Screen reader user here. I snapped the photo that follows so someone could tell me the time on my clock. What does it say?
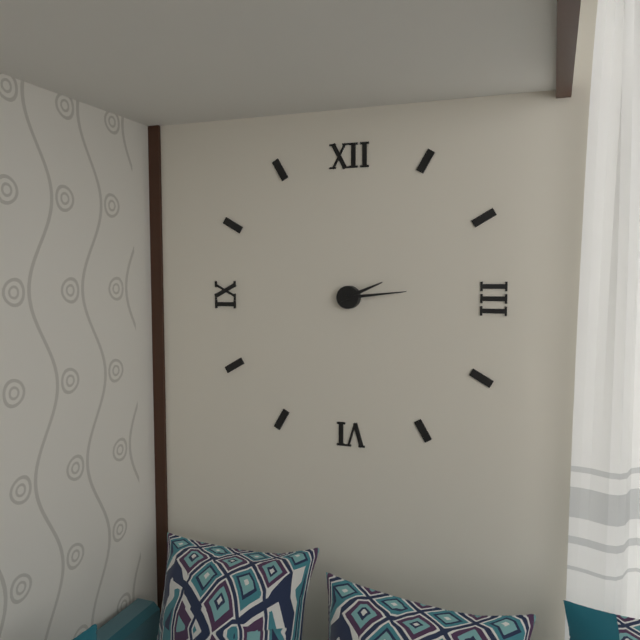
2:14
